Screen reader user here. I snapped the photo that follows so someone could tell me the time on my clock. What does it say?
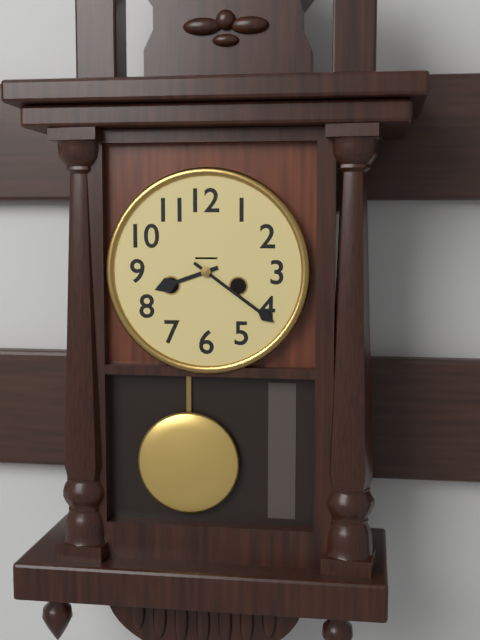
8:21
